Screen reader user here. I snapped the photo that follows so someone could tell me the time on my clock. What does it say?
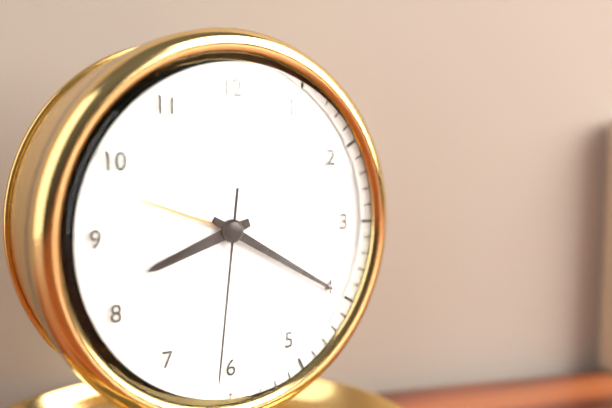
8:20:31
